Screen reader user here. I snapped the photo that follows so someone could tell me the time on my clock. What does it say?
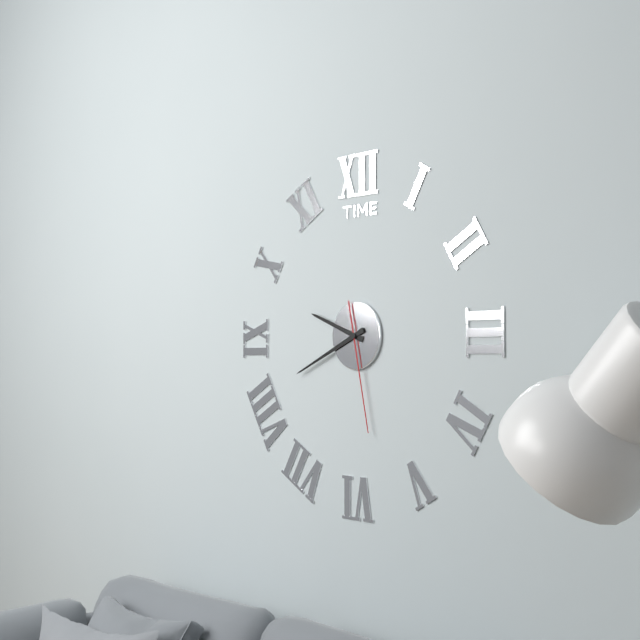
9:41:28
